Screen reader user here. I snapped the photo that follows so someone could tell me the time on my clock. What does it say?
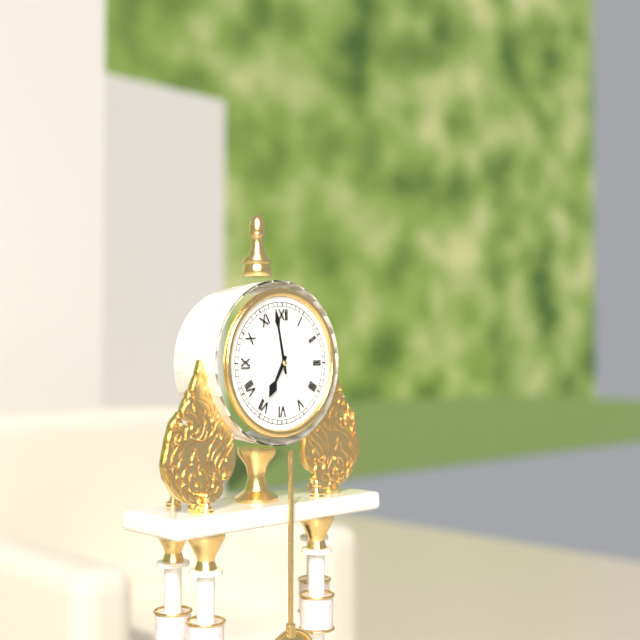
6:58
